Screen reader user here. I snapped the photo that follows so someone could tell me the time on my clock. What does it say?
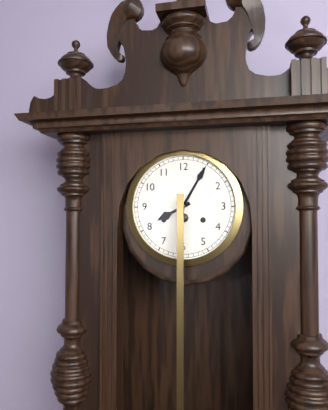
8:05
